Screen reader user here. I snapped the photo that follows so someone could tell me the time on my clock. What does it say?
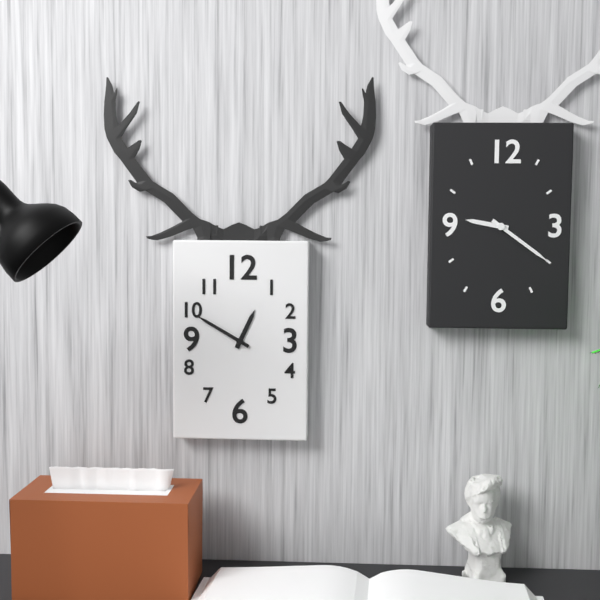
12:50
